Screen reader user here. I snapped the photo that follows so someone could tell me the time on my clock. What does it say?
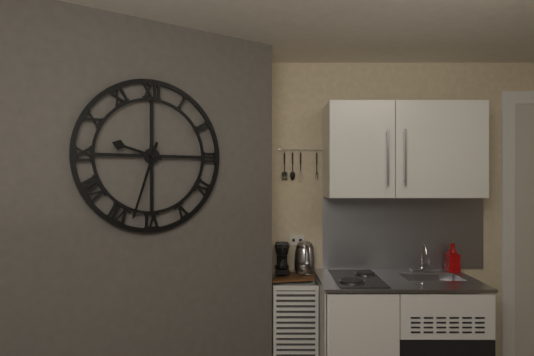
9:33
